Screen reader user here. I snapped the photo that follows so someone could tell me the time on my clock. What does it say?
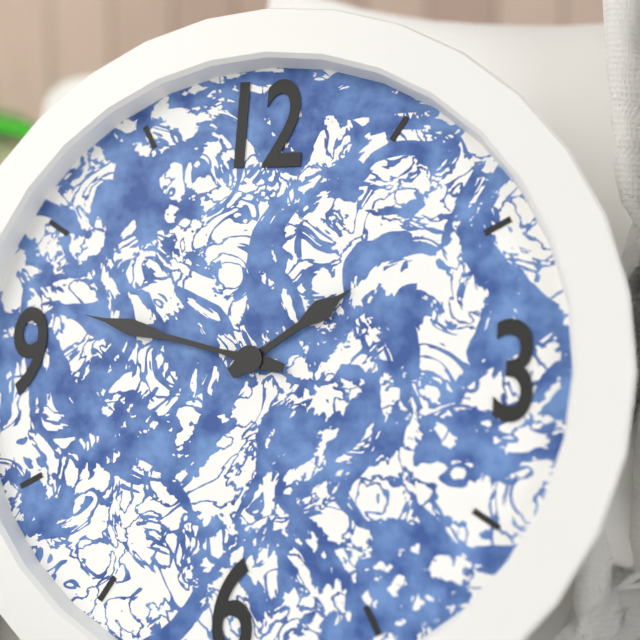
1:47
